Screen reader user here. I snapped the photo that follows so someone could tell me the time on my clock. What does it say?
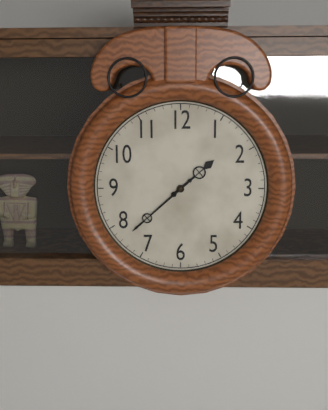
1:38
